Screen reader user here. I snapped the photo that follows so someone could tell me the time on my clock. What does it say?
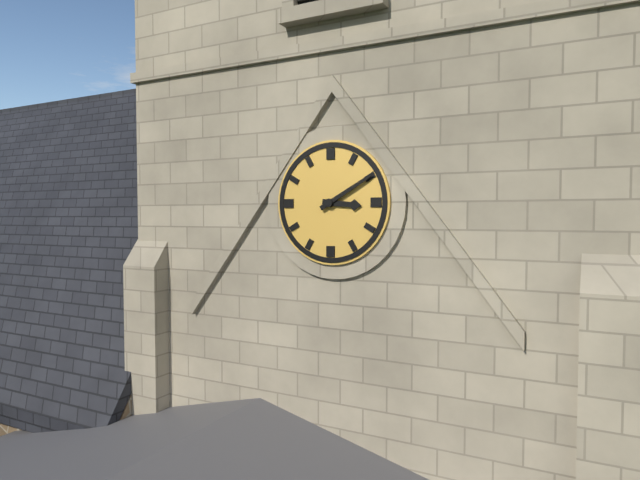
3:10
